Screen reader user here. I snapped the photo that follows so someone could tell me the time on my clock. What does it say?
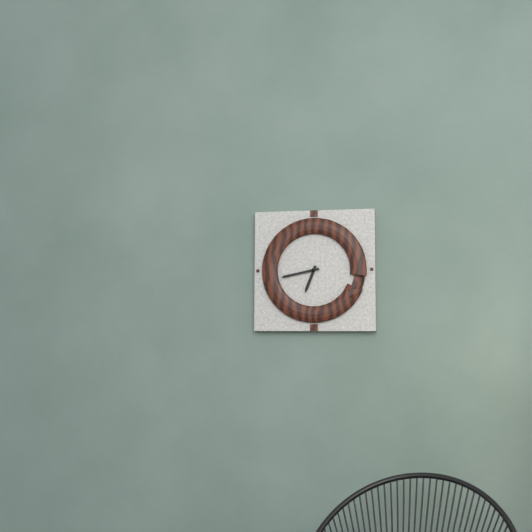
6:43
